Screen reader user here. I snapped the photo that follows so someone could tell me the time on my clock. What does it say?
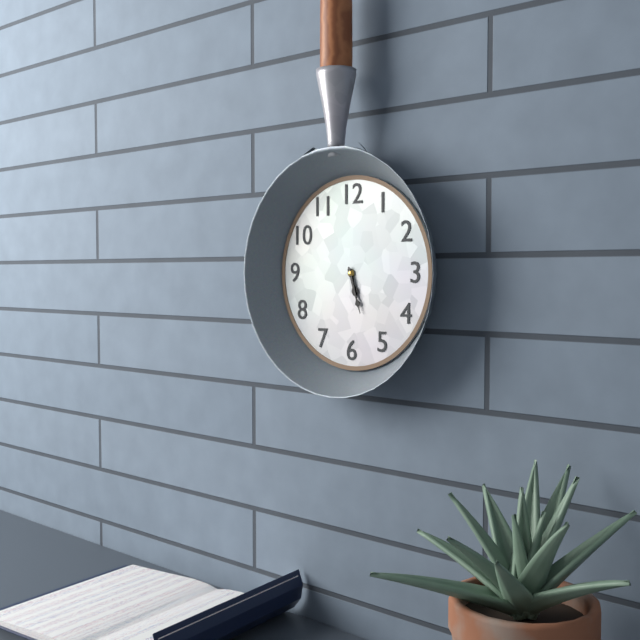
5:27
